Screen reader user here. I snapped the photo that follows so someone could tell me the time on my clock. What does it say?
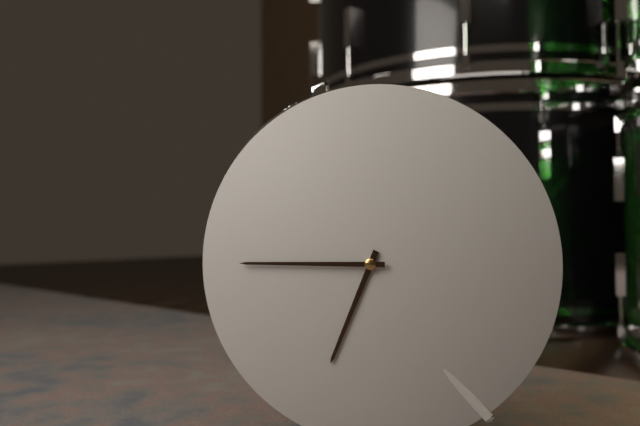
6:45
